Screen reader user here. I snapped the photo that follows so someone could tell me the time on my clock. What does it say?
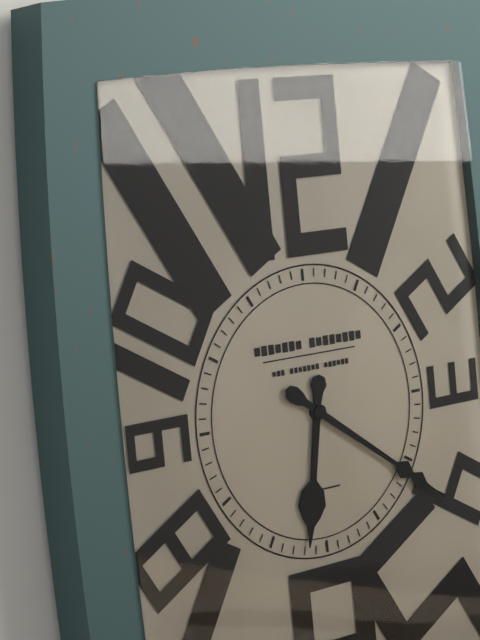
6:21
